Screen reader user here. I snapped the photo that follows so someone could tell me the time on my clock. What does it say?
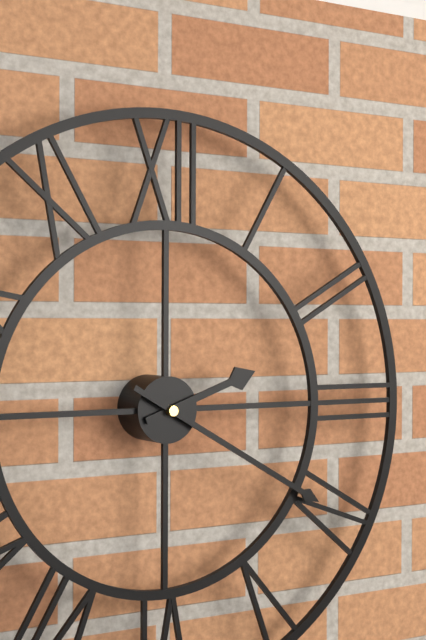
2:20
